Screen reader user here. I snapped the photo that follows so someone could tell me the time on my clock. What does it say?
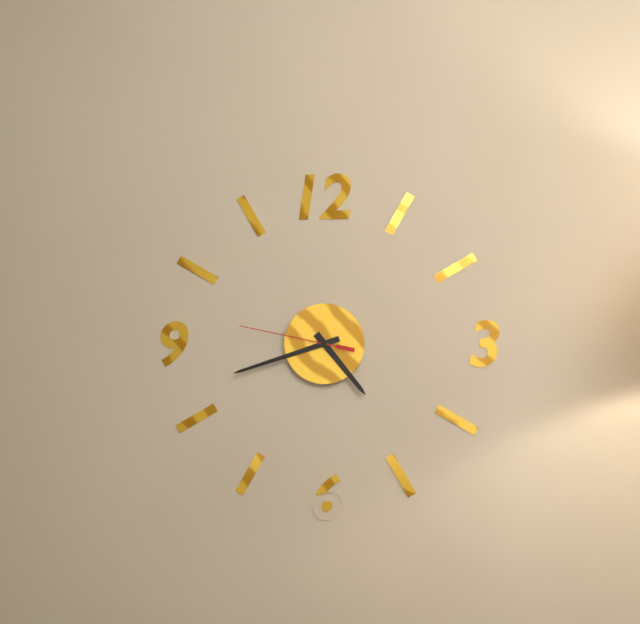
4:42:47
